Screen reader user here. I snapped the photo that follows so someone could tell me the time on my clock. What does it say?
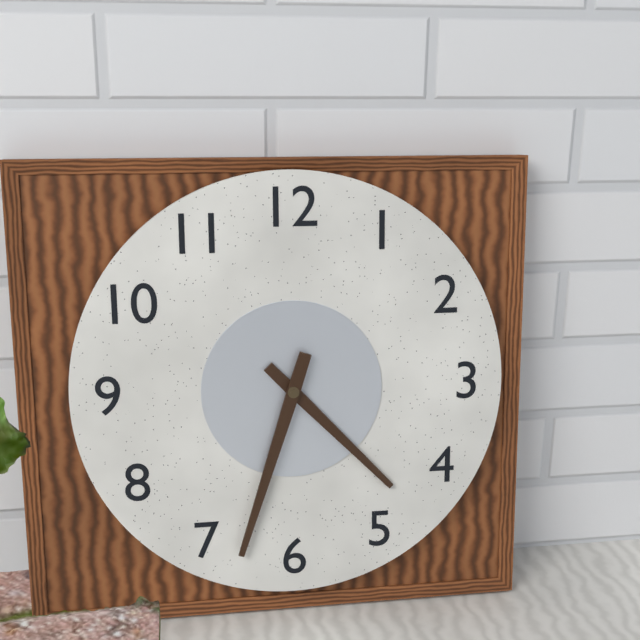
4:33
